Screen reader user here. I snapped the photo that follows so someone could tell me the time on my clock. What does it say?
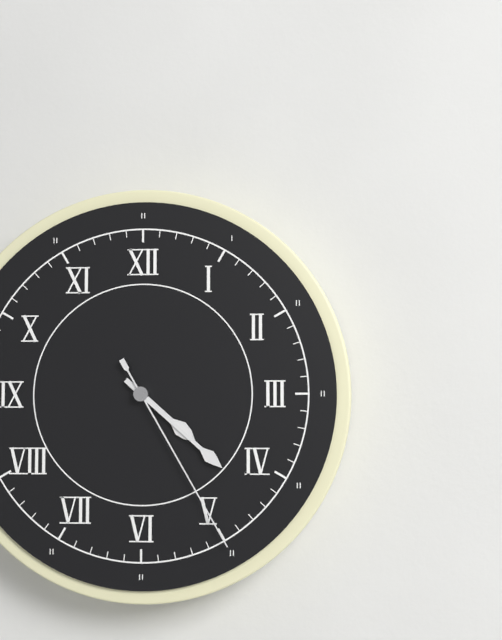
4:22:25
